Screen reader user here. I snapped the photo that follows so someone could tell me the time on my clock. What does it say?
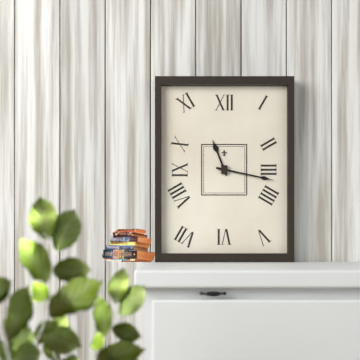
11:17
